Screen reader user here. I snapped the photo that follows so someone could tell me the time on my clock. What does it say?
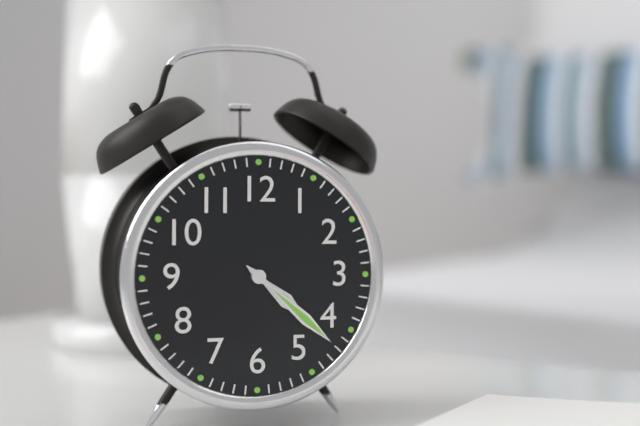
4:22
